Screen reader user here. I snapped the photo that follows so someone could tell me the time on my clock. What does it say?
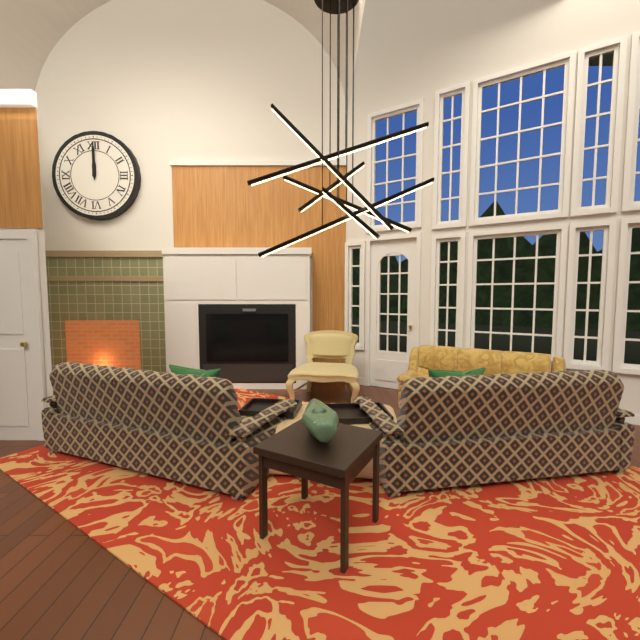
12:00
